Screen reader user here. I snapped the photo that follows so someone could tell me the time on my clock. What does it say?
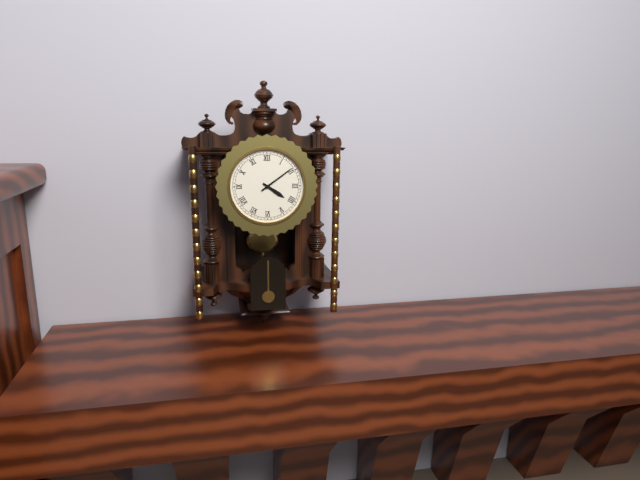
4:09
